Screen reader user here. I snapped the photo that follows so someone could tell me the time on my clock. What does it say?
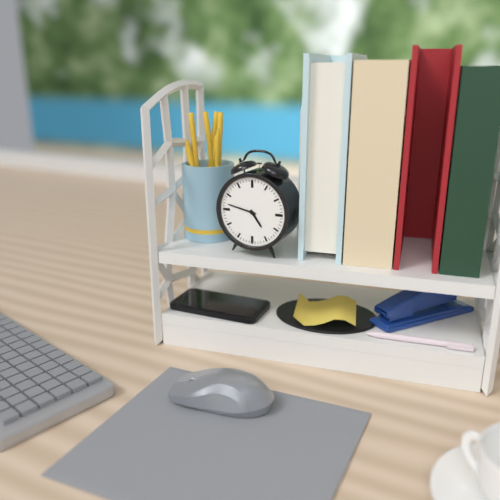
4:47
